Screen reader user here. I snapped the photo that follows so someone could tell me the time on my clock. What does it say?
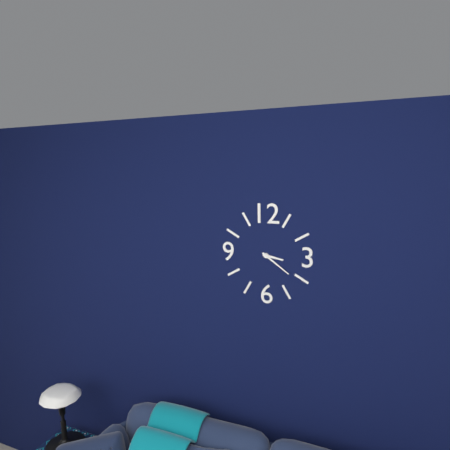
3:21
